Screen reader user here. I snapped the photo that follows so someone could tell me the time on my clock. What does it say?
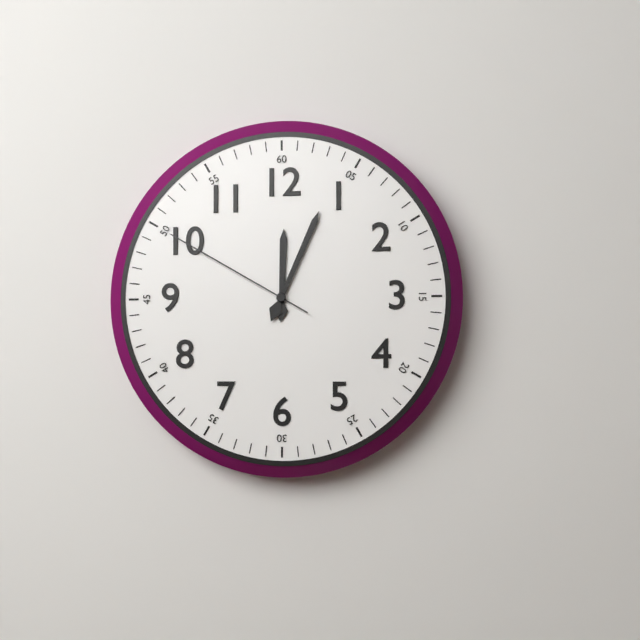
12:04:50
